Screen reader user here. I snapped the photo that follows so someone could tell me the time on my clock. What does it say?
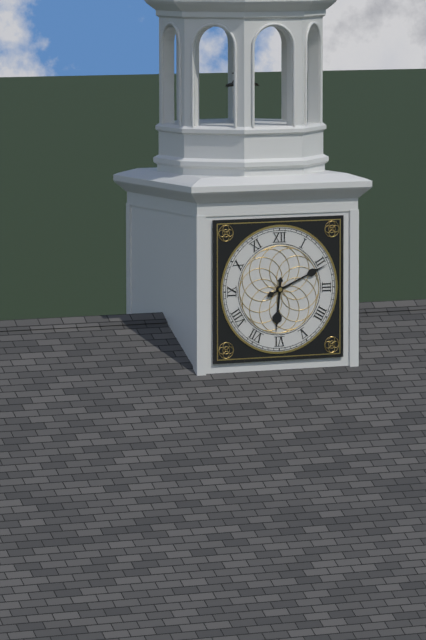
6:11
